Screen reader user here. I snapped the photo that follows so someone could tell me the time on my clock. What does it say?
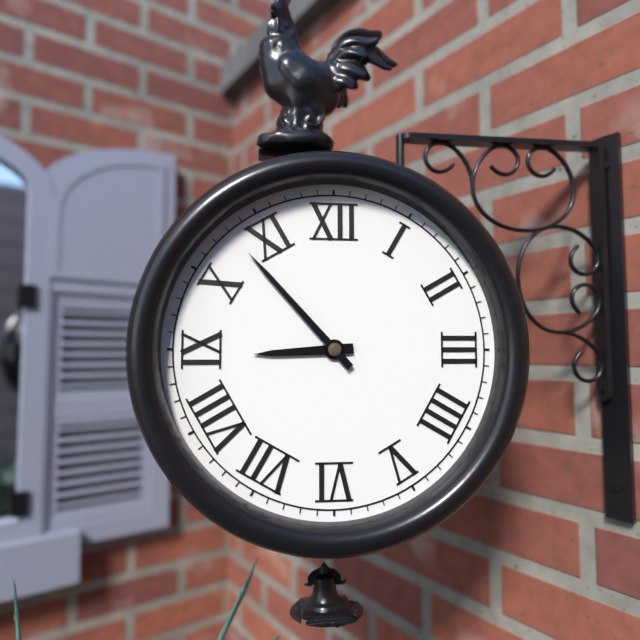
8:53
